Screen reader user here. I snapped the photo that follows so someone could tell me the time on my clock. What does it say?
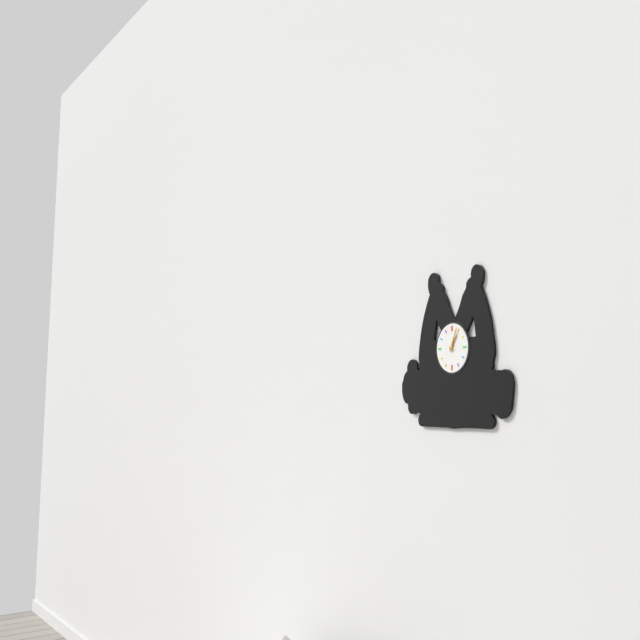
1:04
